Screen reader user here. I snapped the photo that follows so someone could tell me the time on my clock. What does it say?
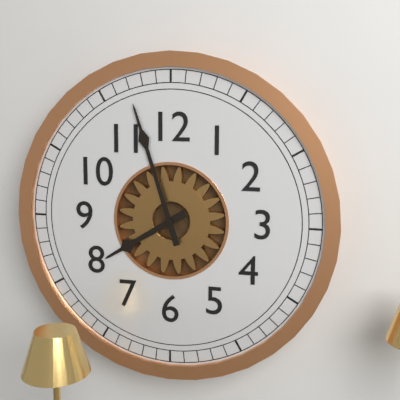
7:57
